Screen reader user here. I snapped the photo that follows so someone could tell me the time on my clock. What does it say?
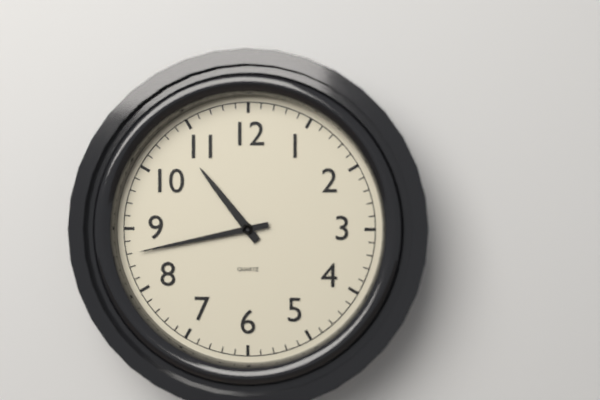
10:43
